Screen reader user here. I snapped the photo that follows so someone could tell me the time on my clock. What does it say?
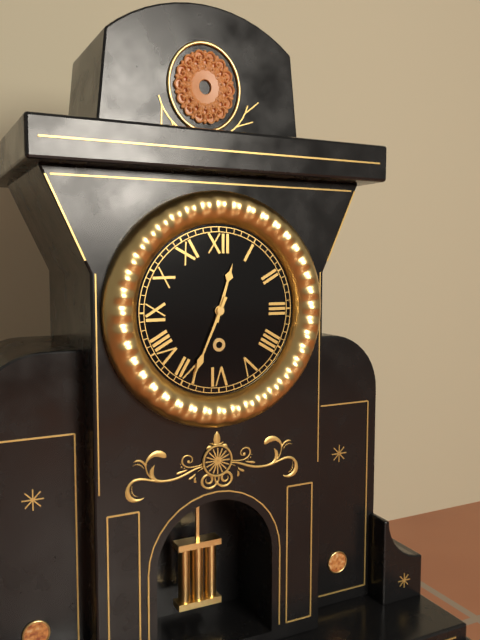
12:34
